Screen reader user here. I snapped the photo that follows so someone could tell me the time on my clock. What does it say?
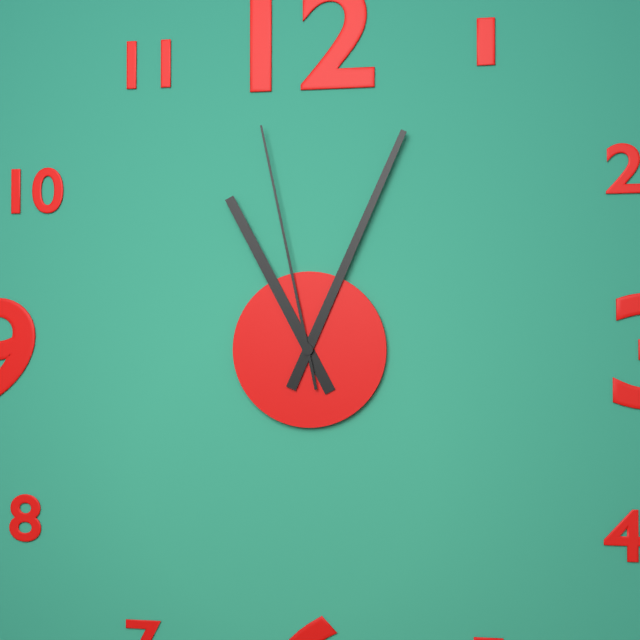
11:04:58
